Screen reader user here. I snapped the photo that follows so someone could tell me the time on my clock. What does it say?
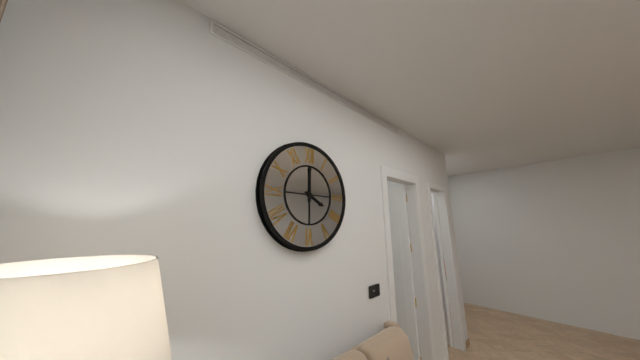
4:00
